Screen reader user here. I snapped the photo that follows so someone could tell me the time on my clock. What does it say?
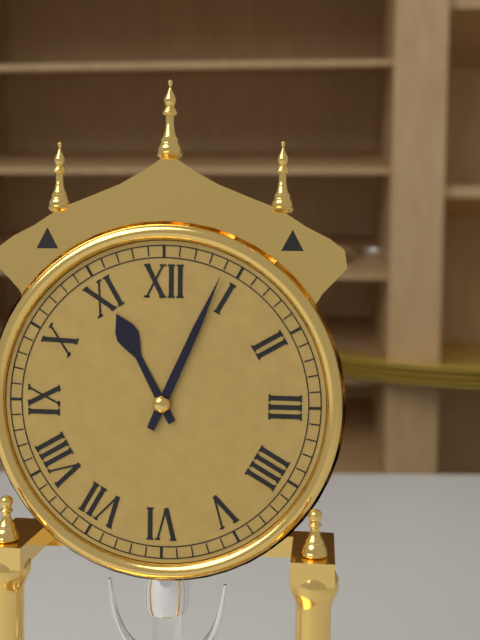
11:04
